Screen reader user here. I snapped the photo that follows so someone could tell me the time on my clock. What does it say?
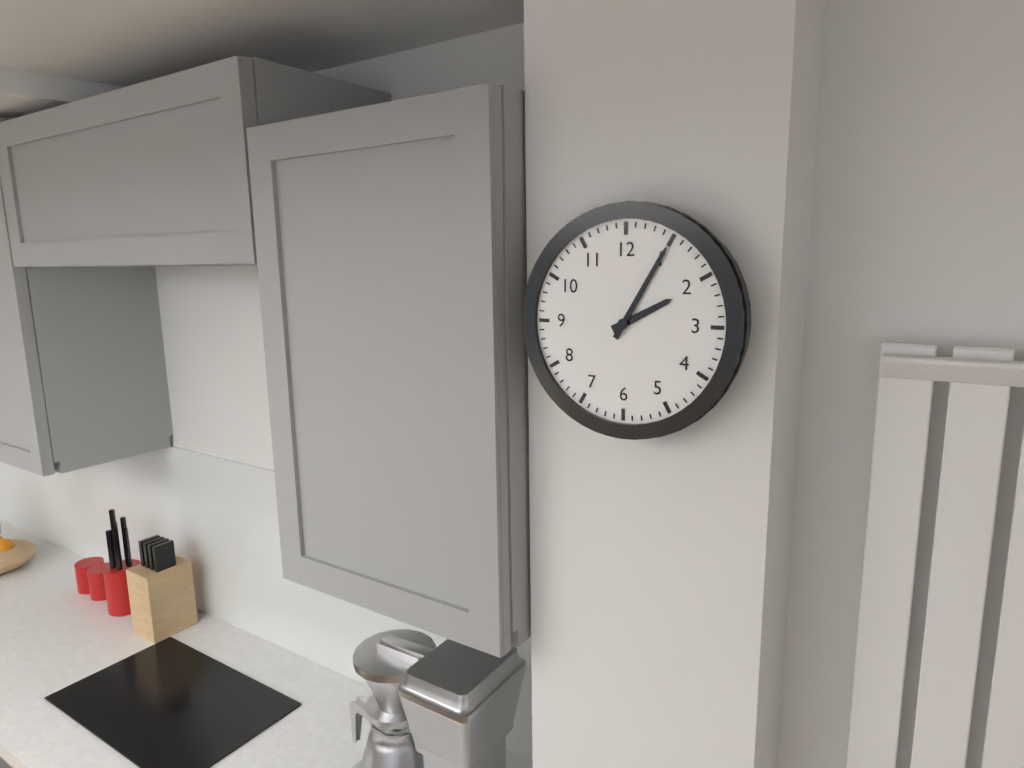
2:05
